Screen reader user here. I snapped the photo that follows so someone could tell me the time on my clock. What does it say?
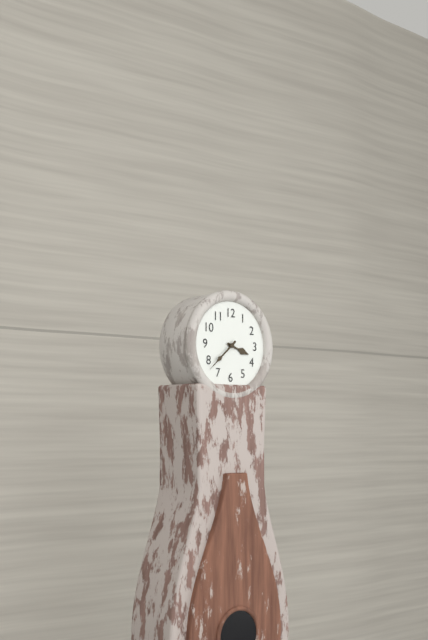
3:38
